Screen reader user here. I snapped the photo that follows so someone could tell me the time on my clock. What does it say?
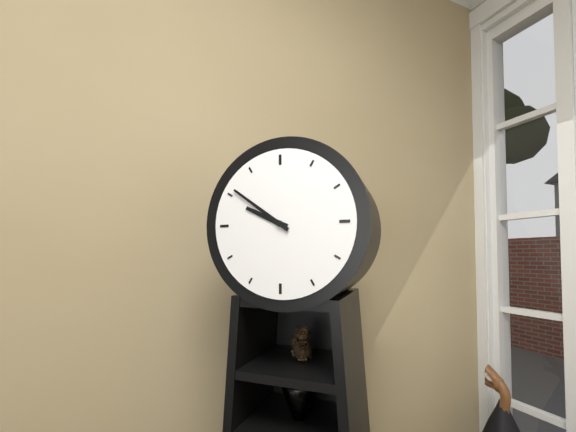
9:51
